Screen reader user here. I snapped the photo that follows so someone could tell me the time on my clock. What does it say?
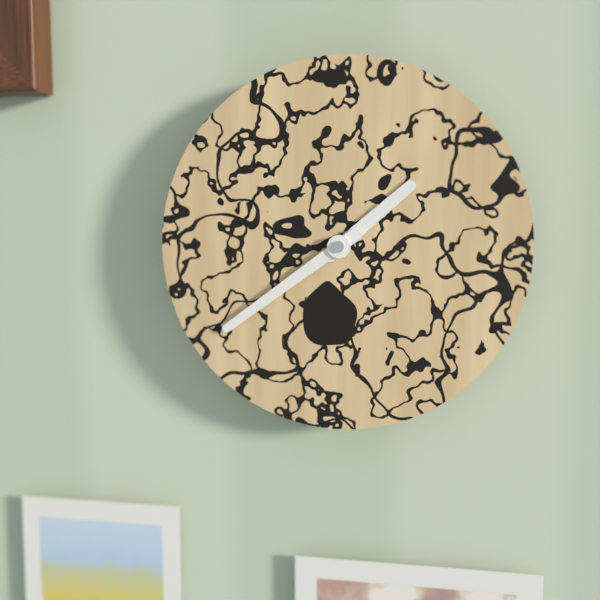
1:39
